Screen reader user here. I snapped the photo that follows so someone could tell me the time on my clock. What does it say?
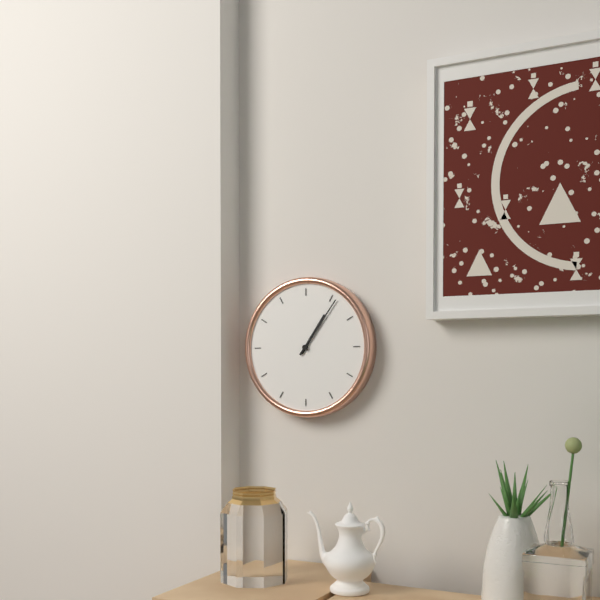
1:06
